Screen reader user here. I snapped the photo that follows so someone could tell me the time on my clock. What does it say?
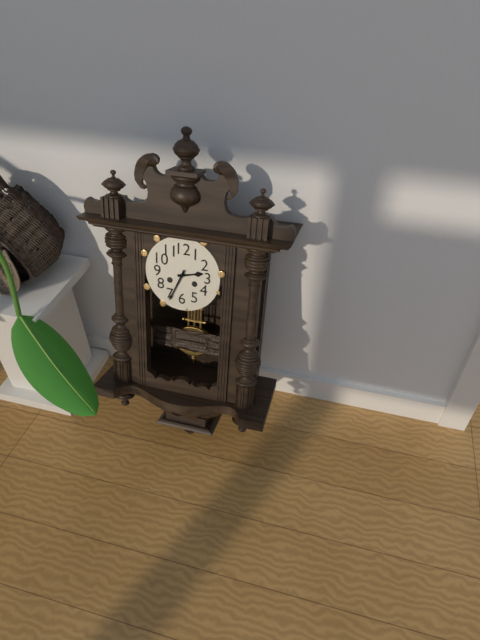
2:34
